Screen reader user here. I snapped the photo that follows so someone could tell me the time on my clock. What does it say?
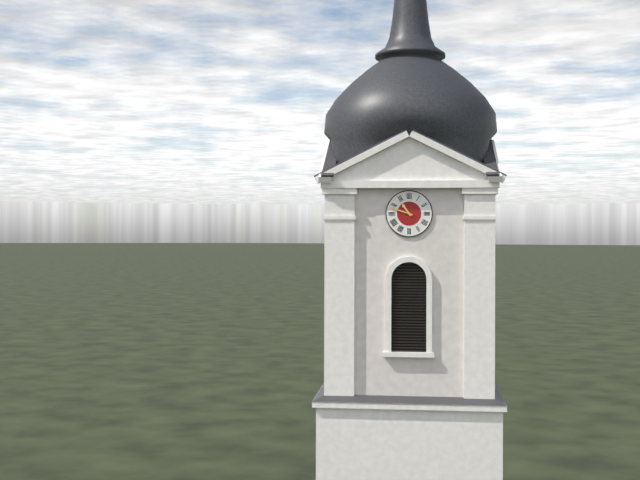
10:48
